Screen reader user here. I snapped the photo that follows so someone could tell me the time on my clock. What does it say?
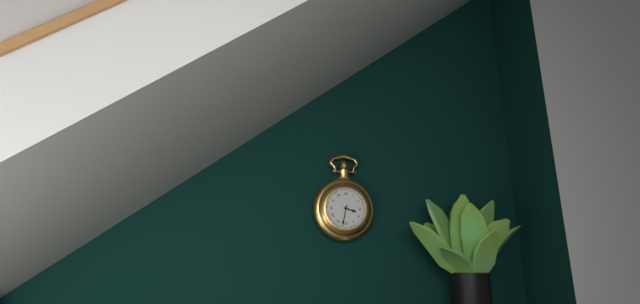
3:32
